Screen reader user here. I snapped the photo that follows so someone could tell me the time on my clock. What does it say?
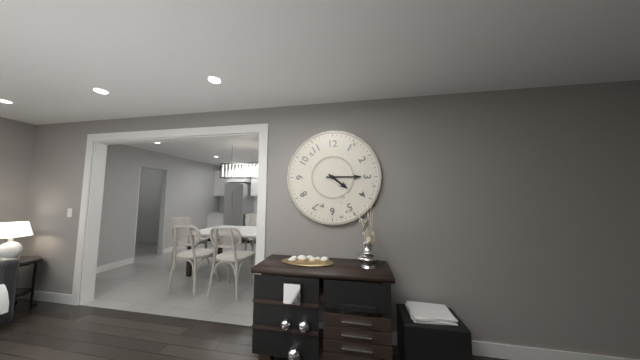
4:15
